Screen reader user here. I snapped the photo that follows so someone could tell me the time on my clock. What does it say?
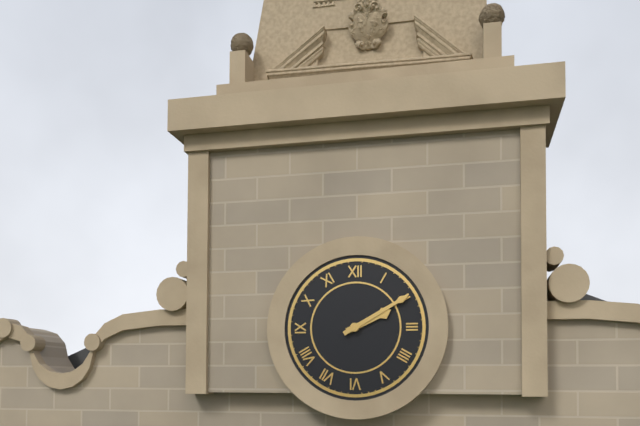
2:10
